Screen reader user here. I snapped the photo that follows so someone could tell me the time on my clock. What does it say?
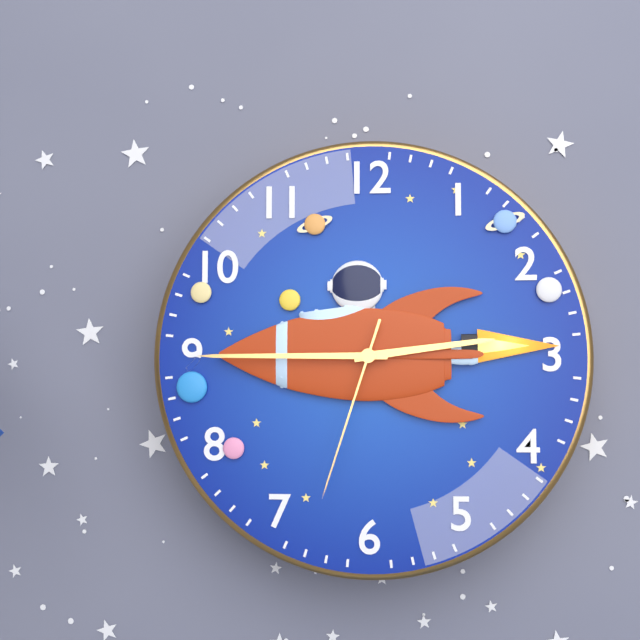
2:45:33
